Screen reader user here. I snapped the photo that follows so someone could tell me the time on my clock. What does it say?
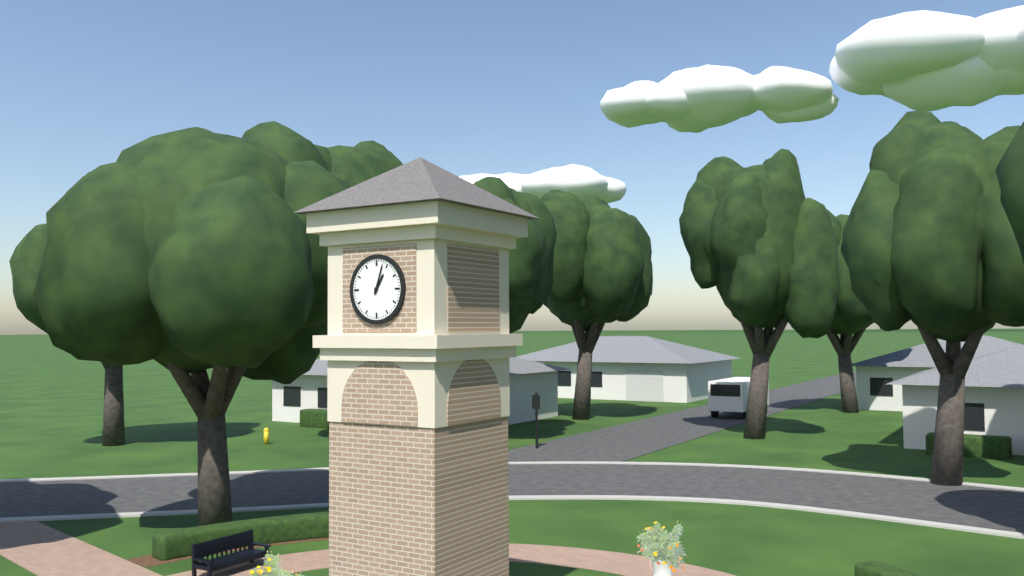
1:03
